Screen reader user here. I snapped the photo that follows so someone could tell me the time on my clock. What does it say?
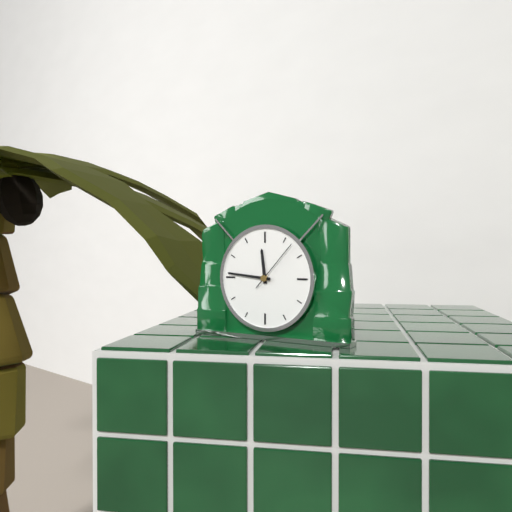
11:46:07
